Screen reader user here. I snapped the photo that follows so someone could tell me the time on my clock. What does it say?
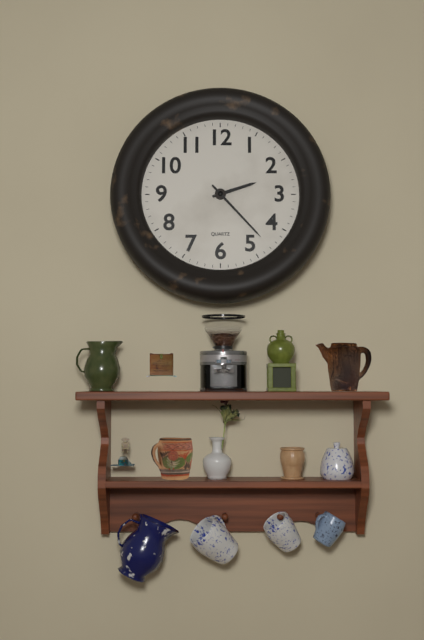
2:23
